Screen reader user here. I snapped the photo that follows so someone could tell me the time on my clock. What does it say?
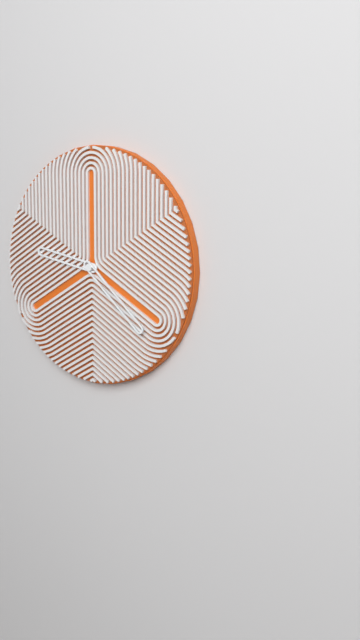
9:22
